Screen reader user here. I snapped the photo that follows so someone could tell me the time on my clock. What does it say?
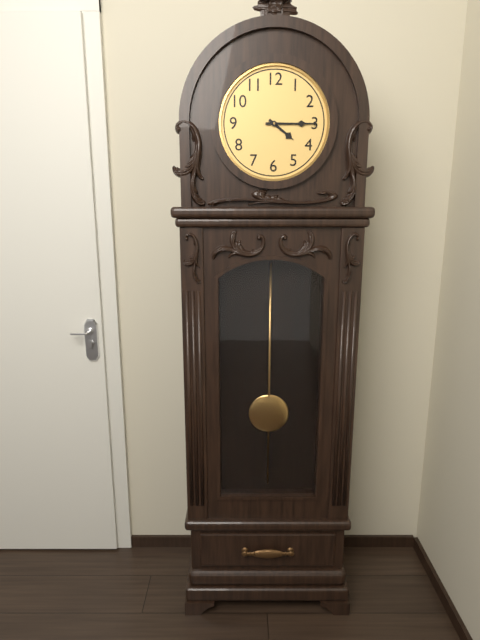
4:15
